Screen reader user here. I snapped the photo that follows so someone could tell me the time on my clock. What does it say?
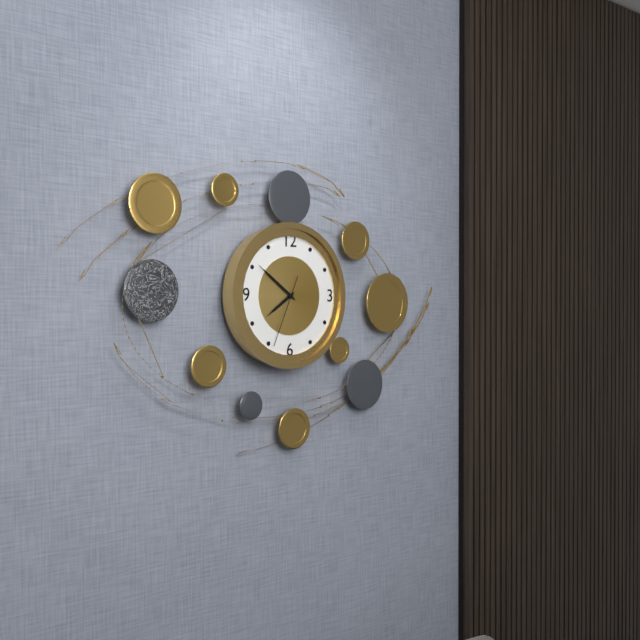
7:51:34
